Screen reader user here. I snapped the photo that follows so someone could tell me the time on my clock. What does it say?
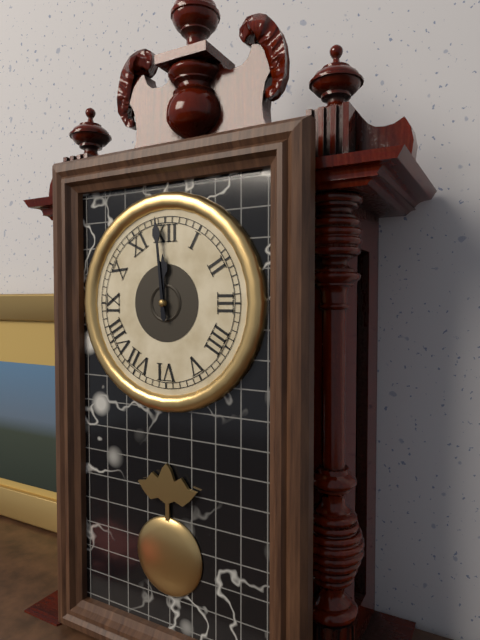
11:59
